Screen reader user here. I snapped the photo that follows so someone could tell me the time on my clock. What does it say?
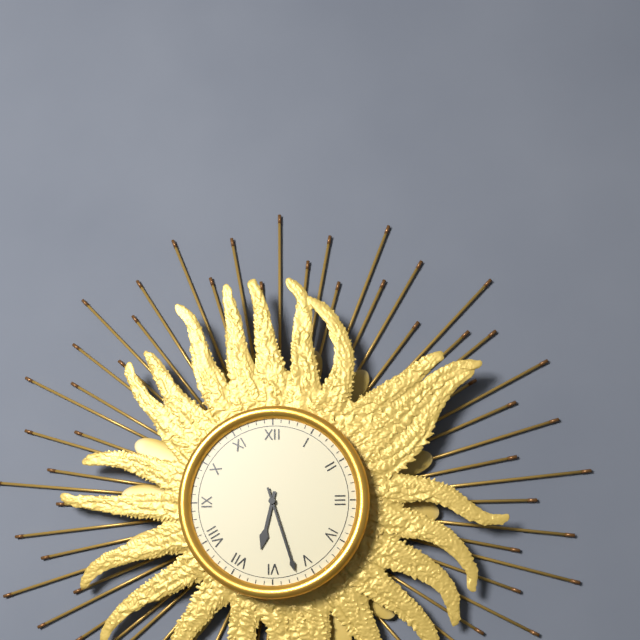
6:27
